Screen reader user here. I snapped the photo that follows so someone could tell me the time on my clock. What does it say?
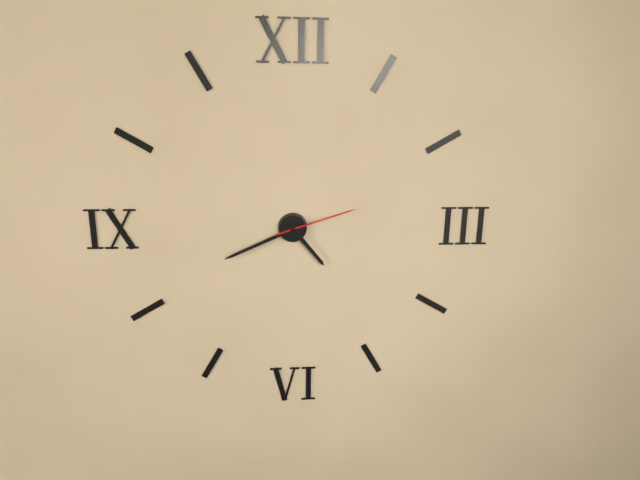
4:41:12
